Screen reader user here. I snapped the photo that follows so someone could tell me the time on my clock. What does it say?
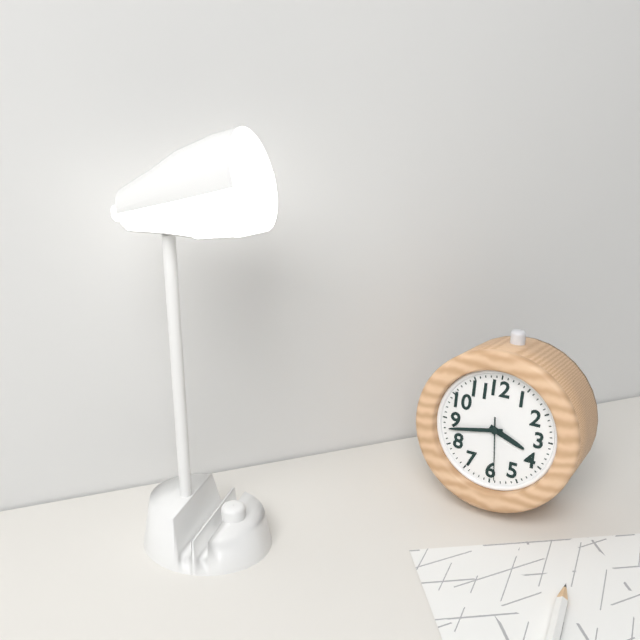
3:43:29
